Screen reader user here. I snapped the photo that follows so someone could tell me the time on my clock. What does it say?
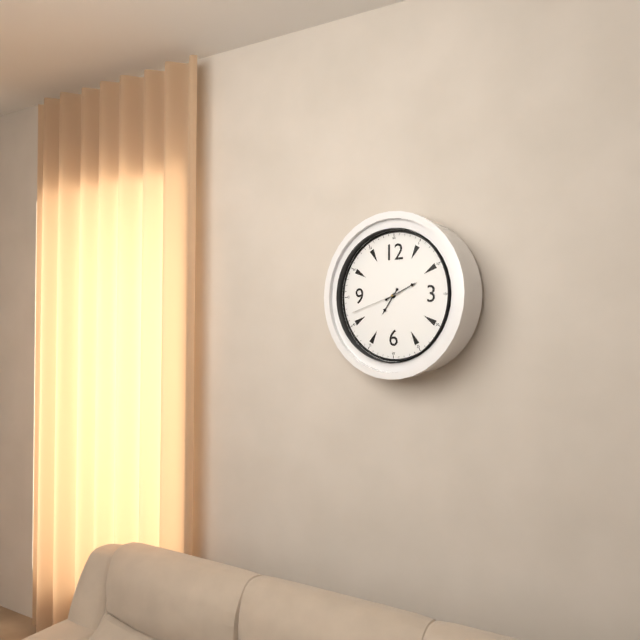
7:11:42
